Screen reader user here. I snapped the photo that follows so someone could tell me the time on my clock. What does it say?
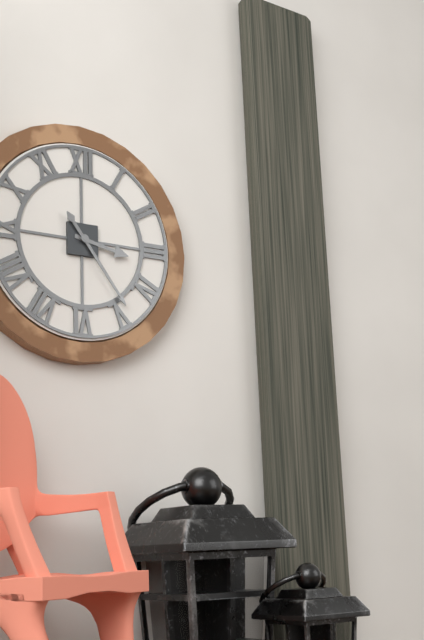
3:24
